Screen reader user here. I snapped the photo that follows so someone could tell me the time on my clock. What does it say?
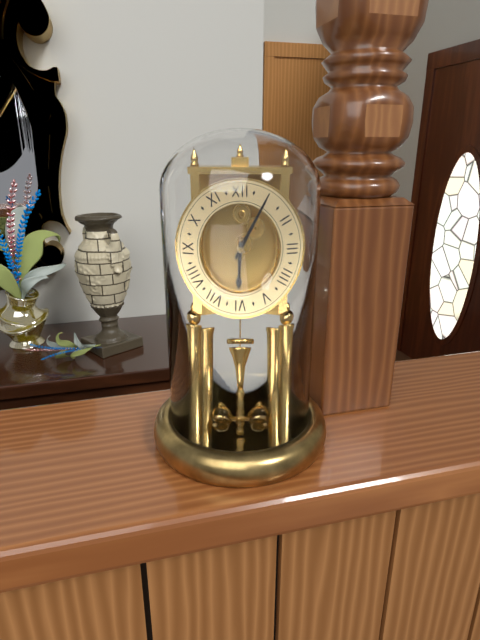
6:05
